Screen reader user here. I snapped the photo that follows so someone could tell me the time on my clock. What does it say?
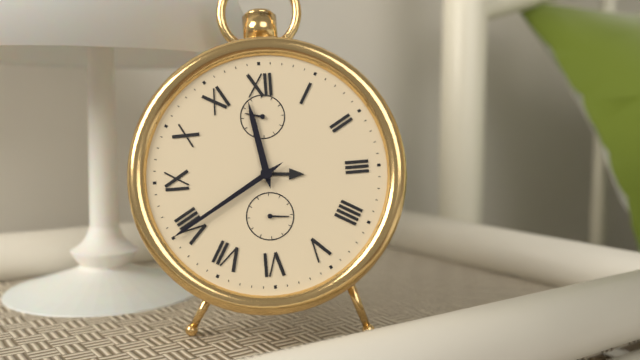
11:40
